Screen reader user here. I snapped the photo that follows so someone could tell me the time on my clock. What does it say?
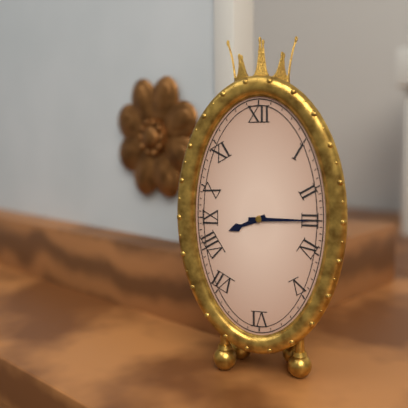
8:15
